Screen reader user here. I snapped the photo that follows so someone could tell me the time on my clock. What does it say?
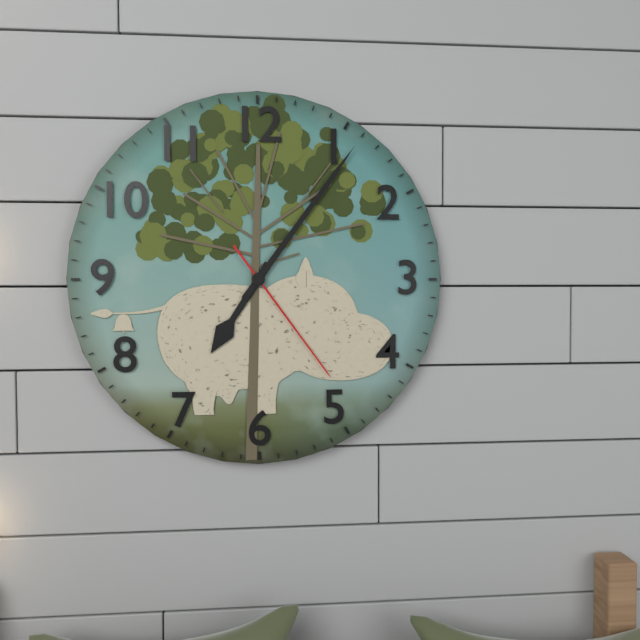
7:06:24
